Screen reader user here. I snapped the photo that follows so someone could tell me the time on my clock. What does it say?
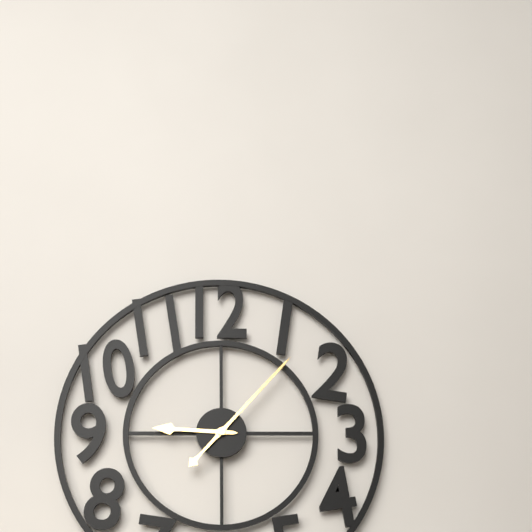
9:07
